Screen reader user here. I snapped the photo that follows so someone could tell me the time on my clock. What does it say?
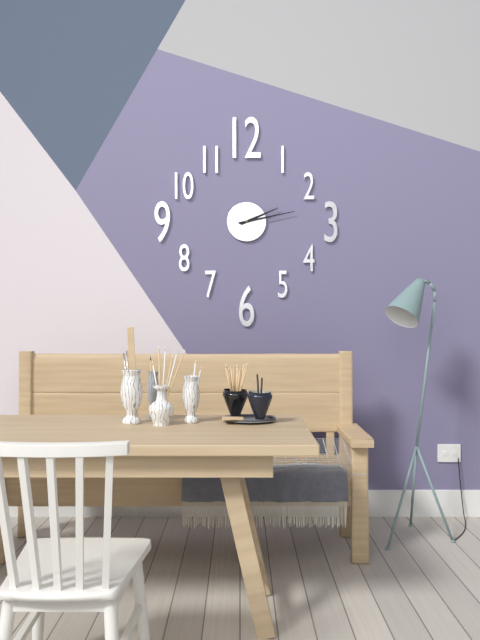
2:13
